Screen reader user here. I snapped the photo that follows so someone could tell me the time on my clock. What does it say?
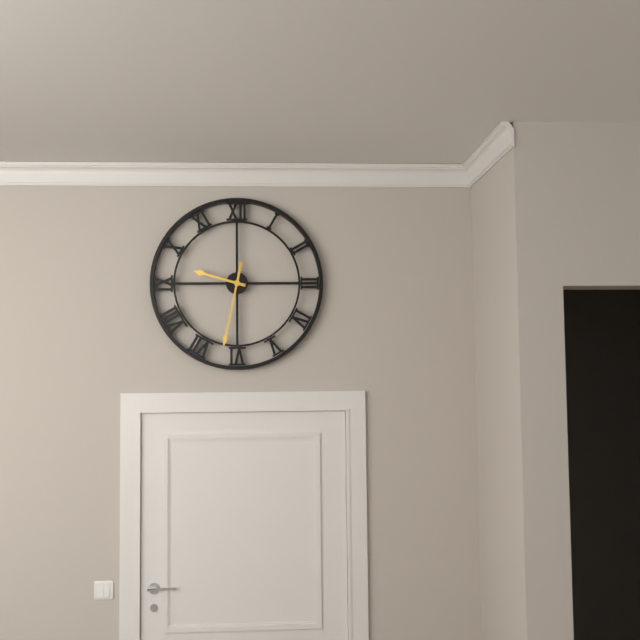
9:32
